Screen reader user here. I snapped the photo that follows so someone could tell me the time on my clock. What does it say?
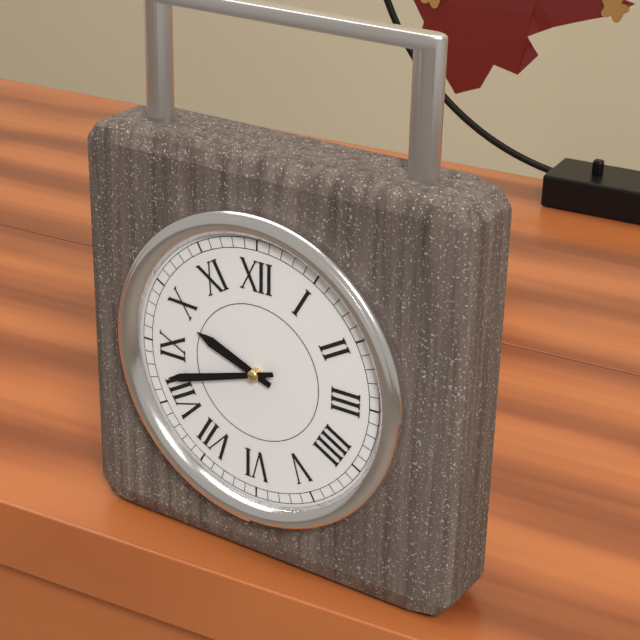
9:42
